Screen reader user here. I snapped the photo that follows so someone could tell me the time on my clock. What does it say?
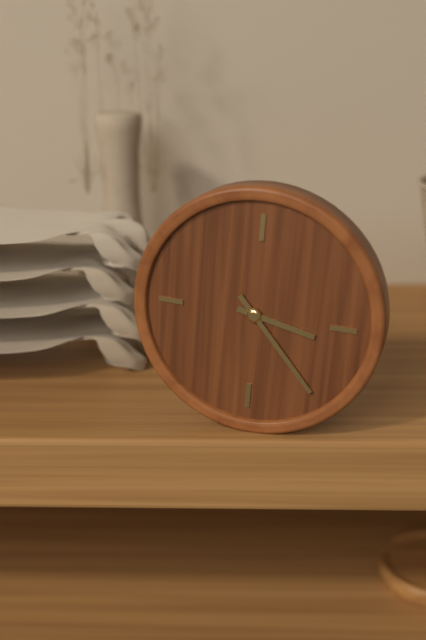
3:23
